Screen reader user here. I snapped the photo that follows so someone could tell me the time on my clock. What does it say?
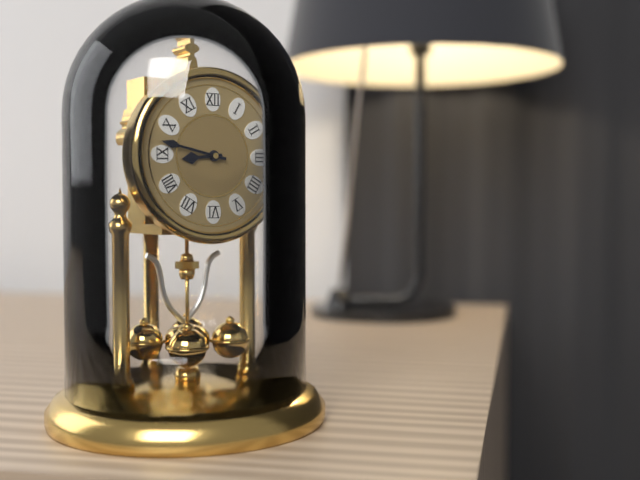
8:47
